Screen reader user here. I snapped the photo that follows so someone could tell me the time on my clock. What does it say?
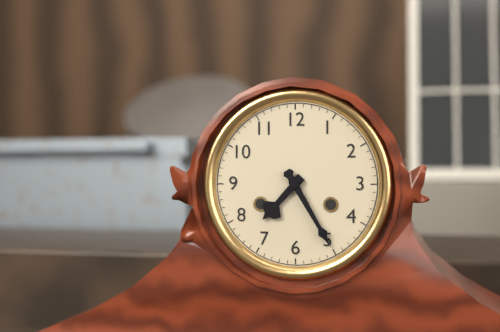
7:25
